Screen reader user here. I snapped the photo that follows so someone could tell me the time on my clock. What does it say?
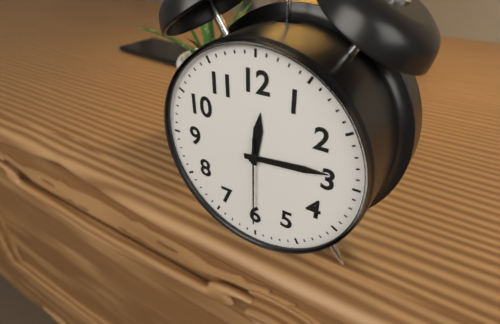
12:14:30
